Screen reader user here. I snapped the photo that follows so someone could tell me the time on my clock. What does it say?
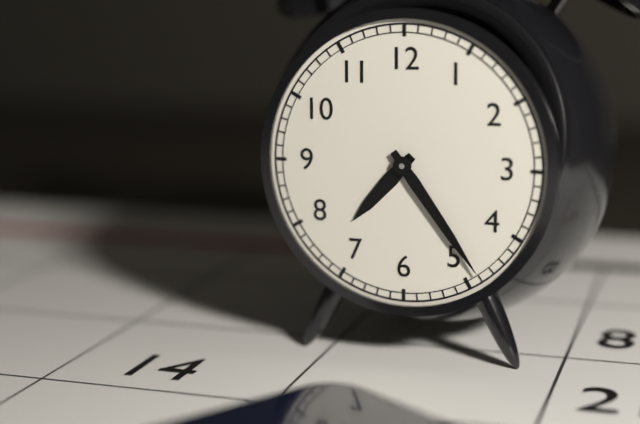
7:24
